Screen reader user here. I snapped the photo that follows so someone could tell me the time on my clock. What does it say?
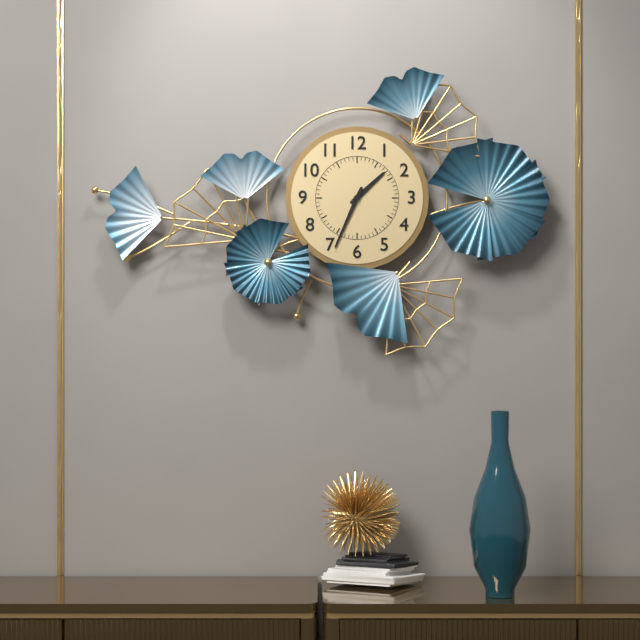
1:34
